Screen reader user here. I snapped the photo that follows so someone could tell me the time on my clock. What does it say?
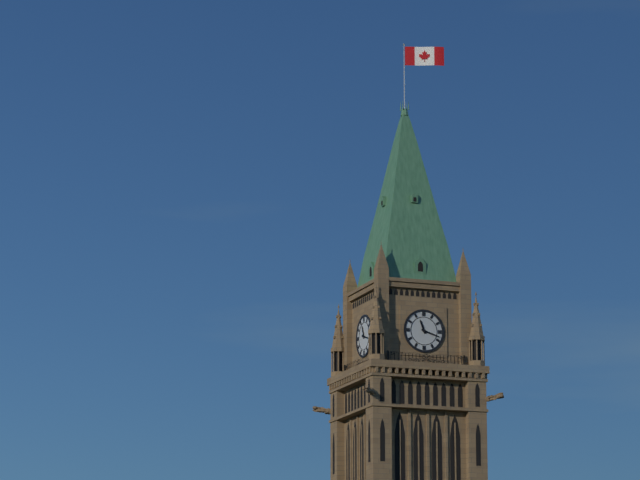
11:18
